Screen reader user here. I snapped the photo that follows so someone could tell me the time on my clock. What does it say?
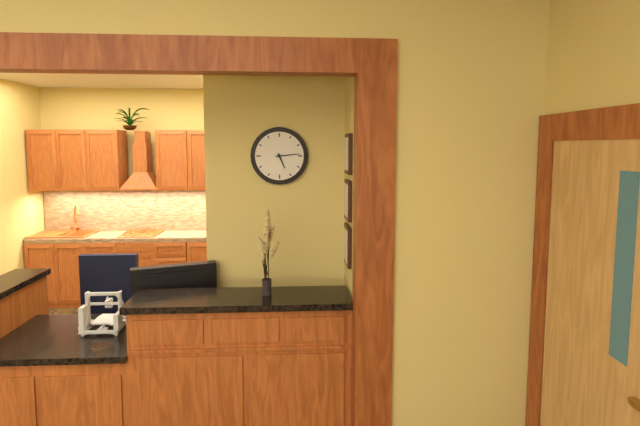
5:14
